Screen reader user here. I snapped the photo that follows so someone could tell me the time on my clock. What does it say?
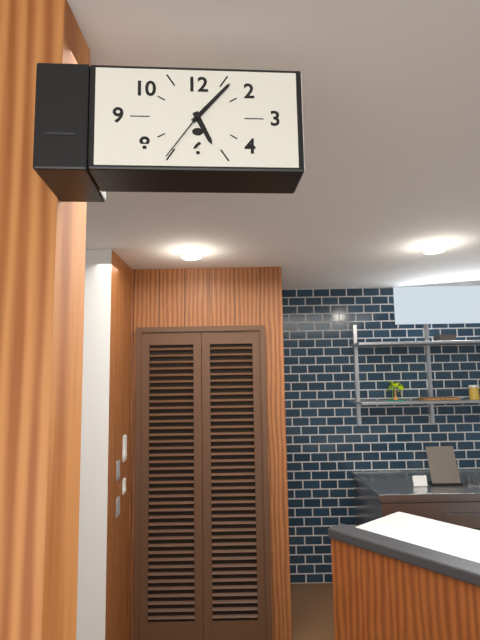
5:07:36
